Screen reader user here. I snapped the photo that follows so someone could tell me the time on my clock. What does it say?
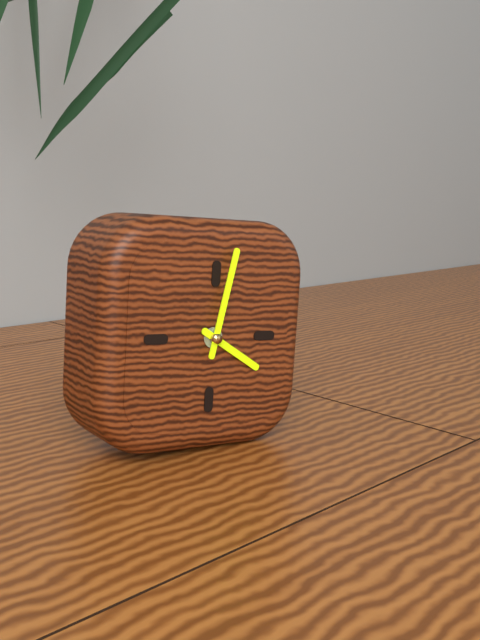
4:02
